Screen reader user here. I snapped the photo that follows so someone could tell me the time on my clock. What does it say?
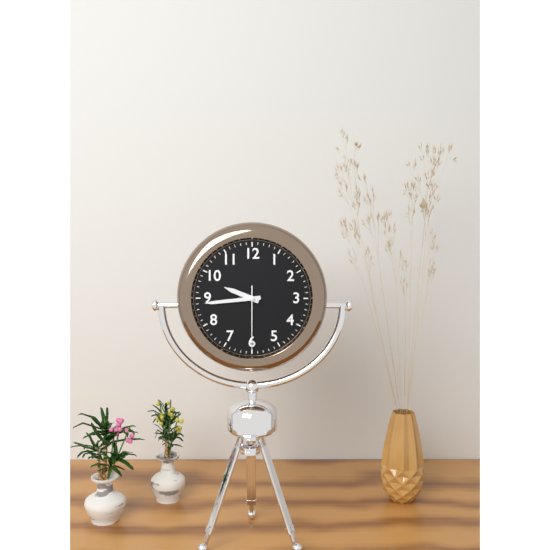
9:44:30
